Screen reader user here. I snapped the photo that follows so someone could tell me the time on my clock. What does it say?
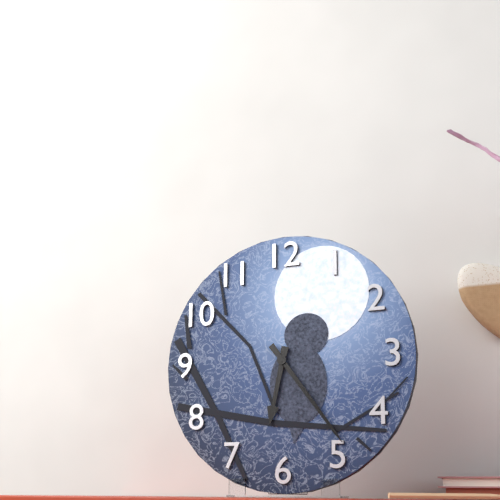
6:24
